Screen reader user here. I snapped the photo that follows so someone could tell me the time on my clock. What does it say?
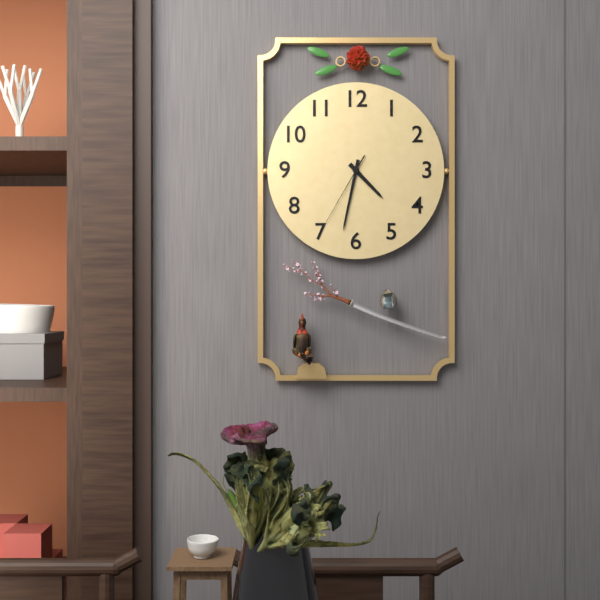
4:32:35
